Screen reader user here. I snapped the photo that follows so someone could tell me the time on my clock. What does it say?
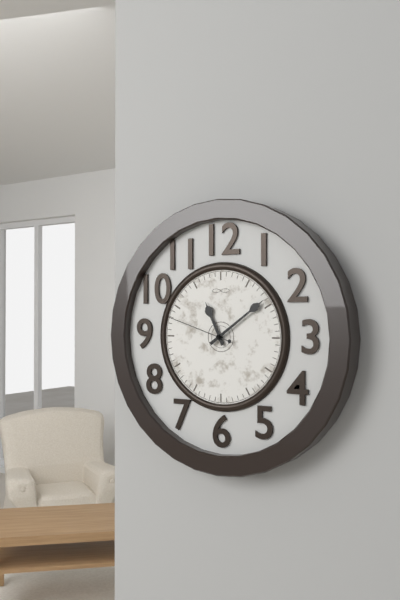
11:09:48
